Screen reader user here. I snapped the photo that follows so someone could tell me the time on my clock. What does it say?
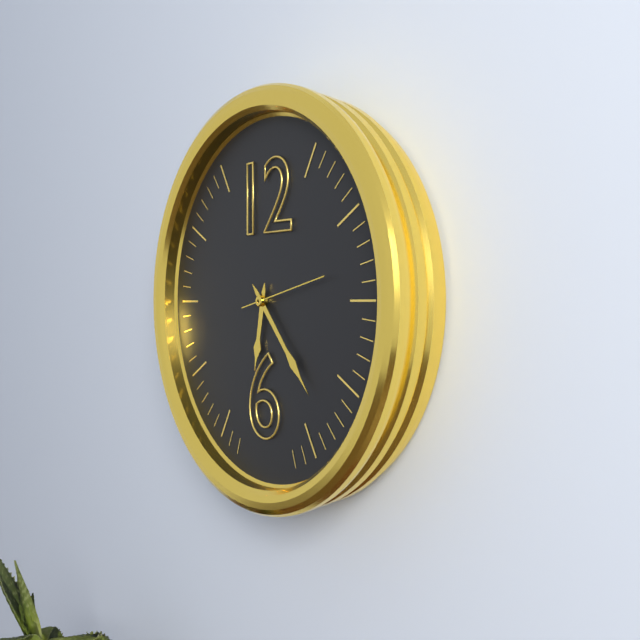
6:23
